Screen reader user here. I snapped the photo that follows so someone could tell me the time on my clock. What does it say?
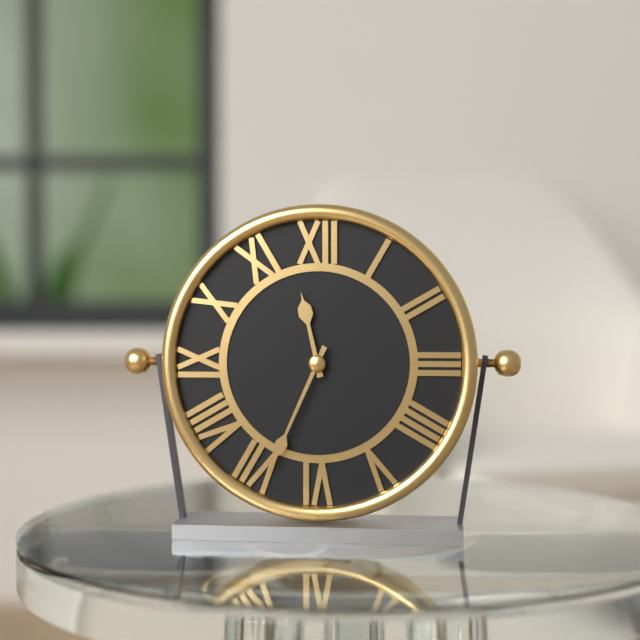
11:34
